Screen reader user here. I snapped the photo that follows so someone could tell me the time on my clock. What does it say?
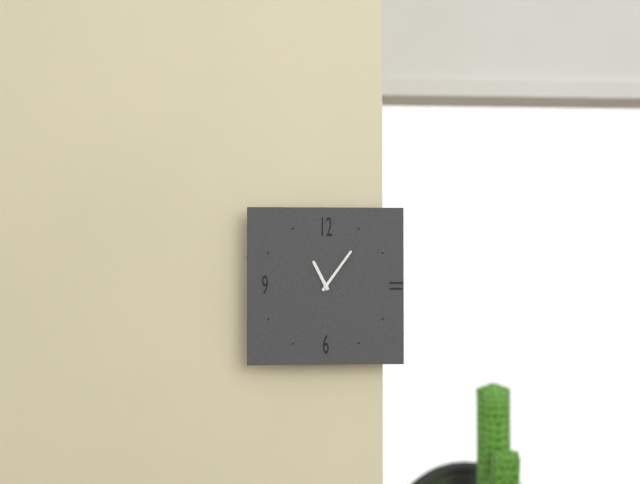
11:06
